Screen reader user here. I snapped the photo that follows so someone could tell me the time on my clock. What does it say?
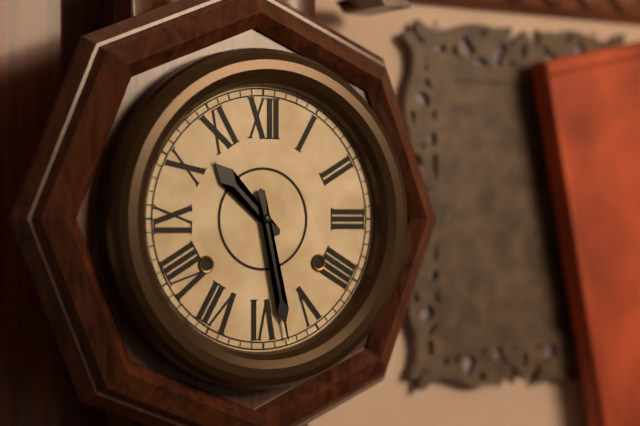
10:28
